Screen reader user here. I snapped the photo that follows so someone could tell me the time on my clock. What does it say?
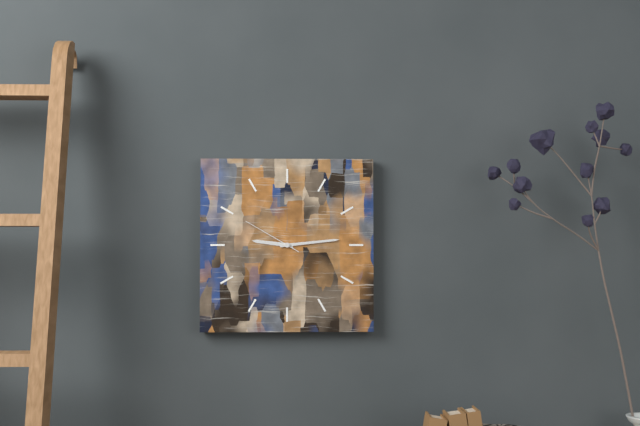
9:14:50
